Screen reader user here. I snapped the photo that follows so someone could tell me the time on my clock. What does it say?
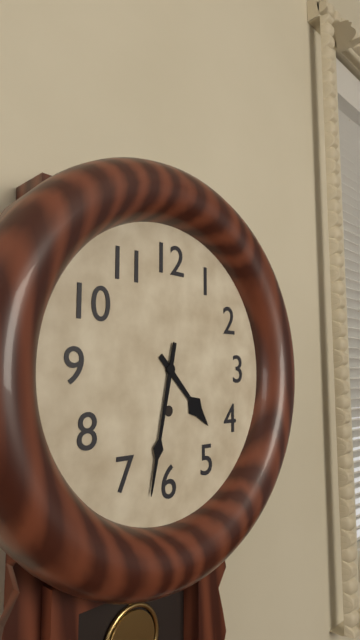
4:32
